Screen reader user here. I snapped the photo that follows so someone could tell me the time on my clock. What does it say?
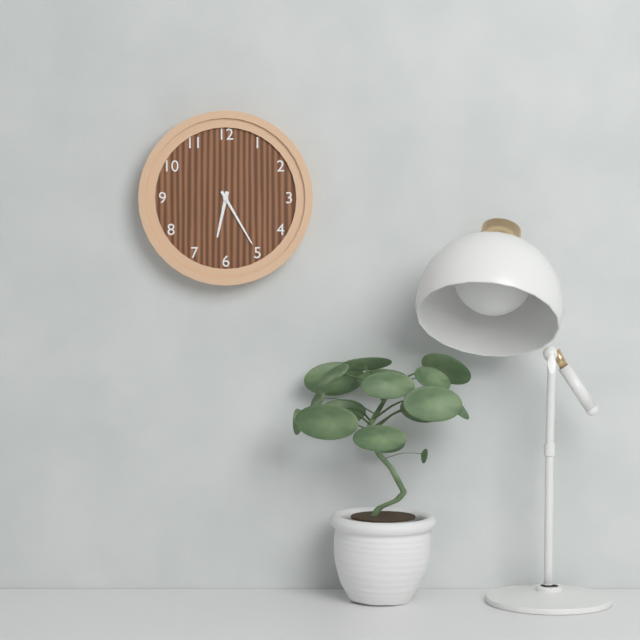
6:25
